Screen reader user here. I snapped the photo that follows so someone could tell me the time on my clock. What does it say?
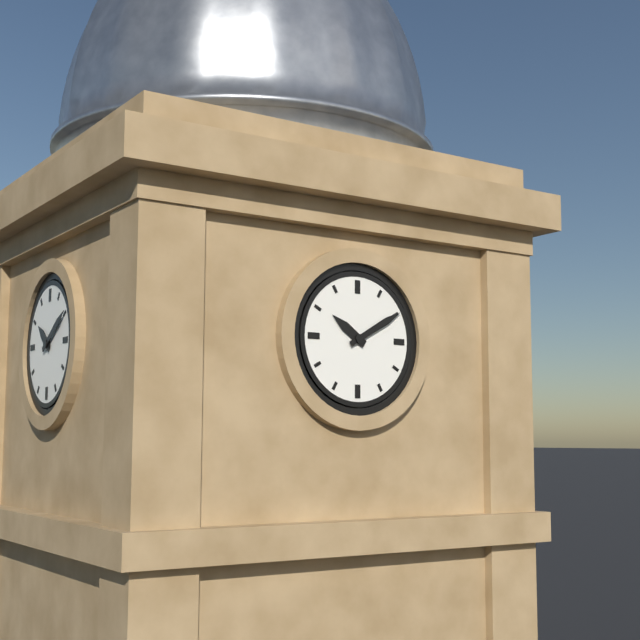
10:10
